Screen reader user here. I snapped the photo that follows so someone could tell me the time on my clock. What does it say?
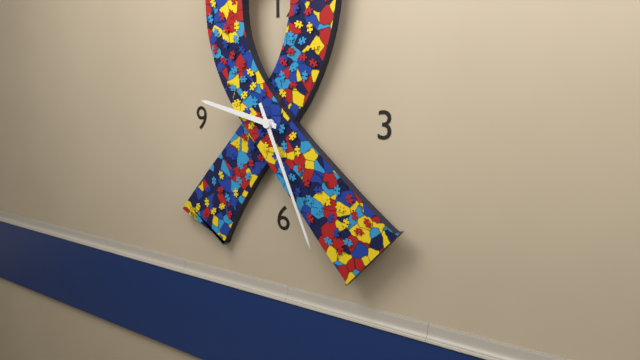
9:26
